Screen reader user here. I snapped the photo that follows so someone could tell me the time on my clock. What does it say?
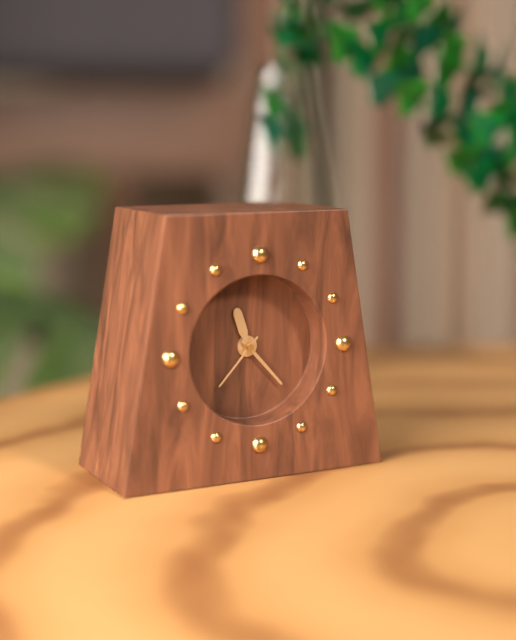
11:23:37
